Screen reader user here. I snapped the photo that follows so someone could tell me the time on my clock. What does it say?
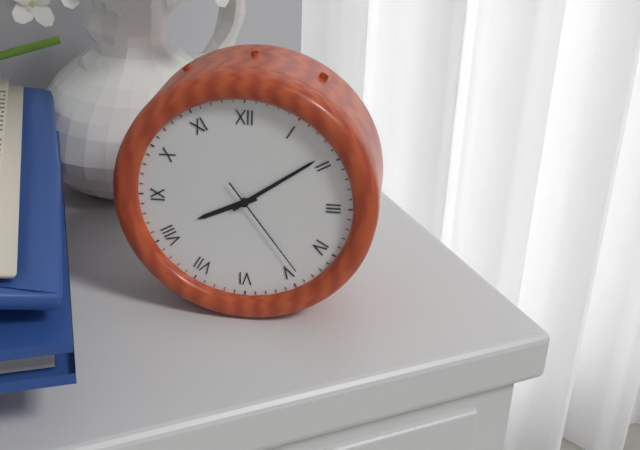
8:09:24
